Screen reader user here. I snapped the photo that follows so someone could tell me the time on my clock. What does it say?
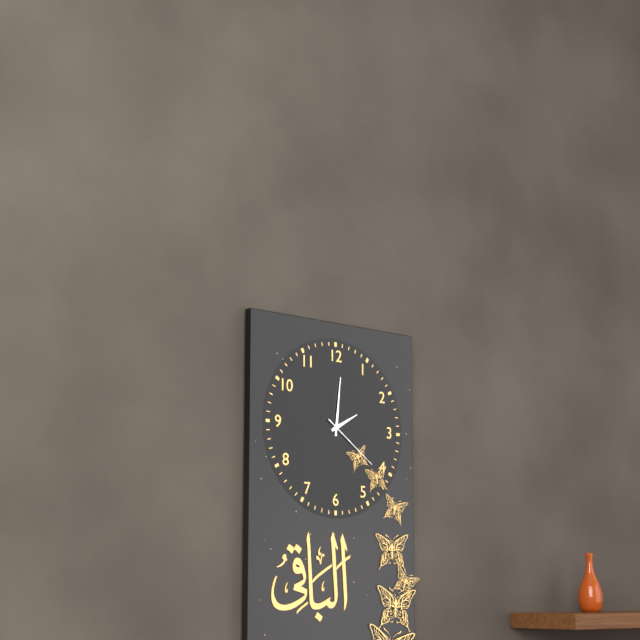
2:01:21
